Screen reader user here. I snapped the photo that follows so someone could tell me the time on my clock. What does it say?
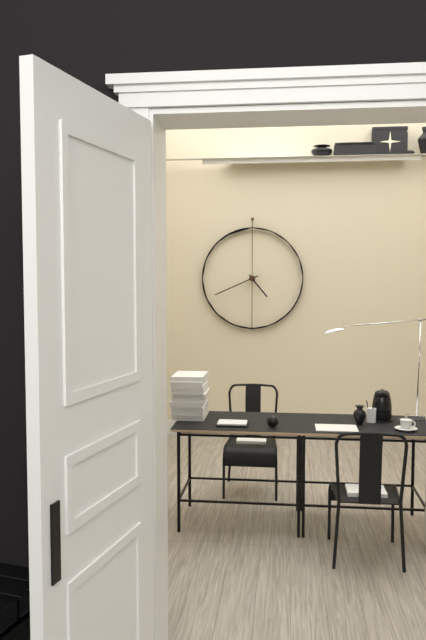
4:41
